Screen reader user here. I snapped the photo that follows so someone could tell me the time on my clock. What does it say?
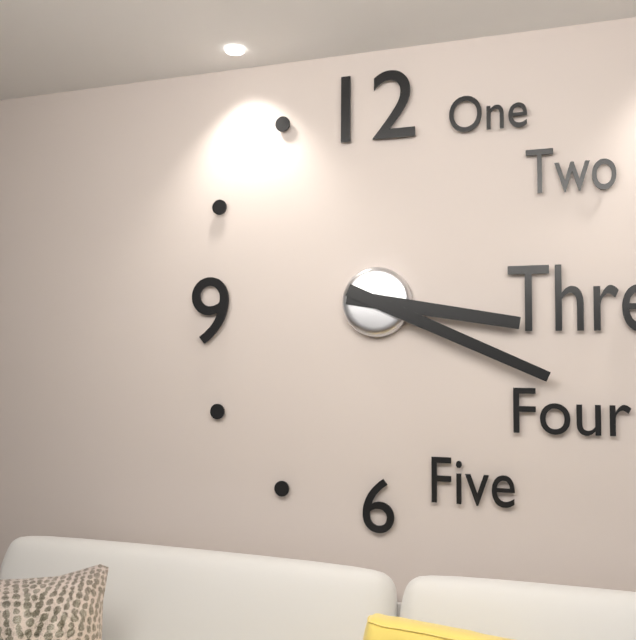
3:19
